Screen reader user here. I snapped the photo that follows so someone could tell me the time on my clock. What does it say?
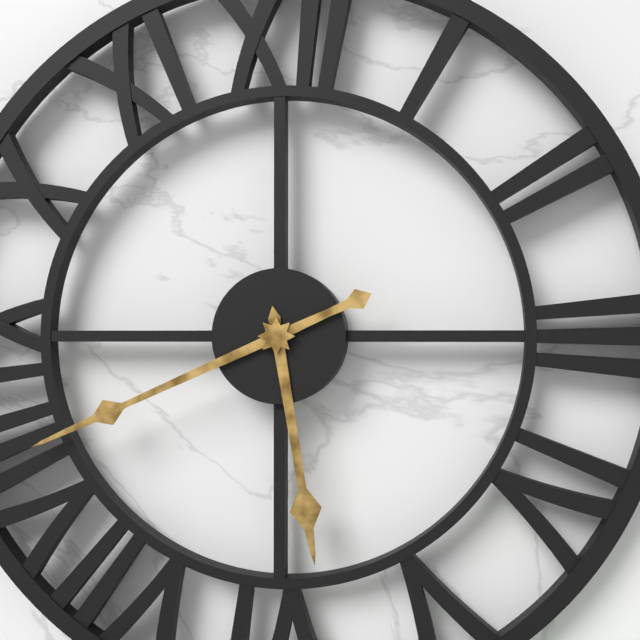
5:41
